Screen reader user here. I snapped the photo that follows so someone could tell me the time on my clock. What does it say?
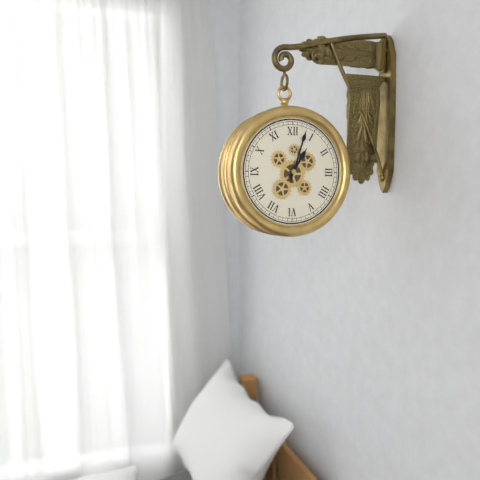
1:03
